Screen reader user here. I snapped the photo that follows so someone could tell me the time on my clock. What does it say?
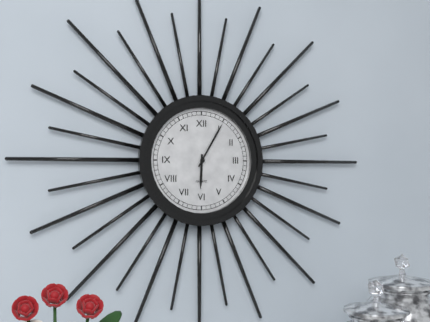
6:05
